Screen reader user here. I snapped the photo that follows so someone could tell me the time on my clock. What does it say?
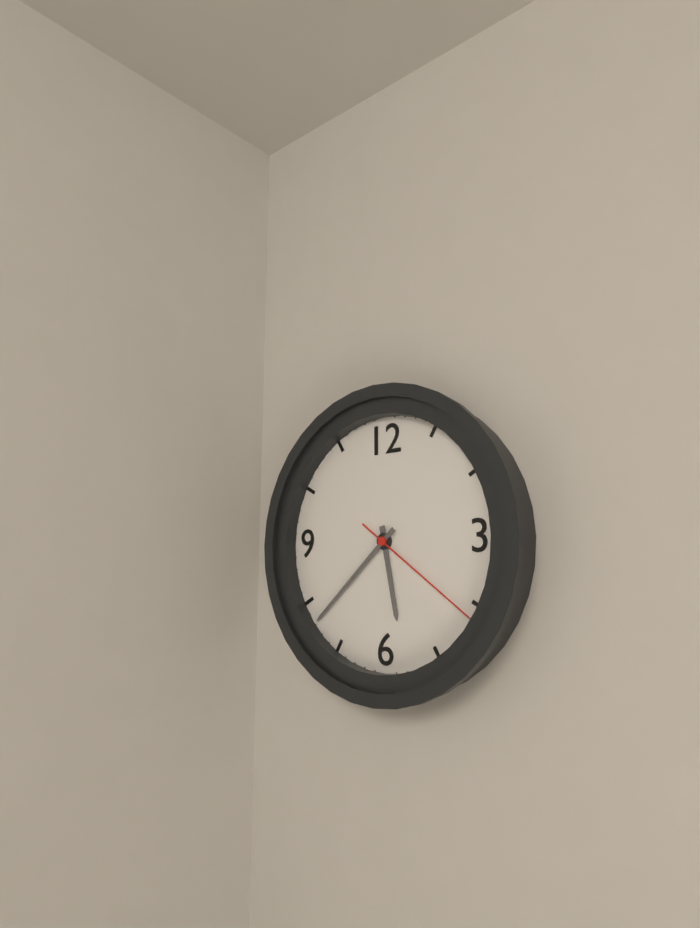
5:38:21
